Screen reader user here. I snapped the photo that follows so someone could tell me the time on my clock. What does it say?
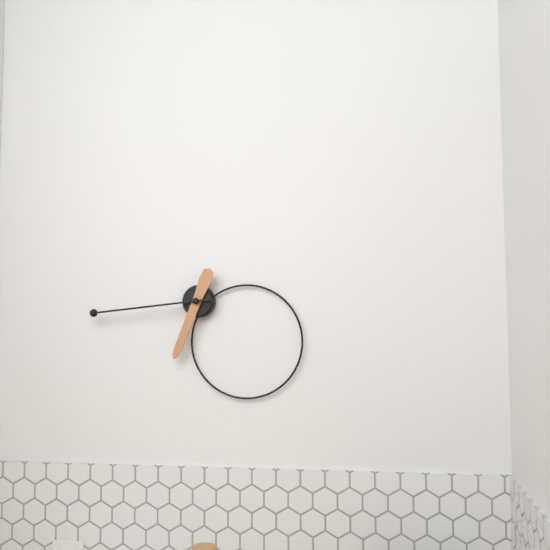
6:44
